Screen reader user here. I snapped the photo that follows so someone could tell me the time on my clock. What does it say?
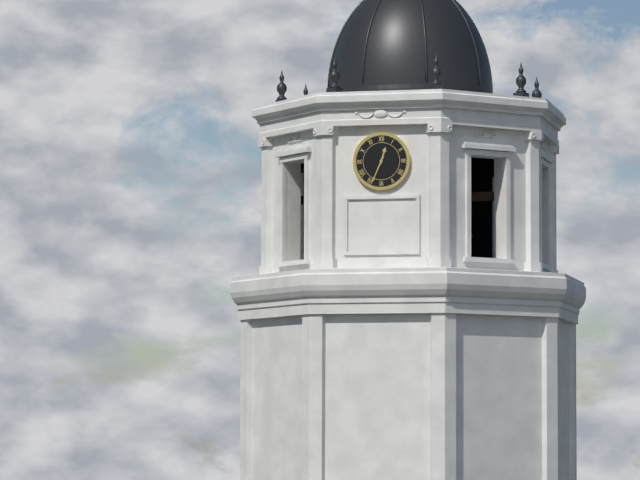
12:34
